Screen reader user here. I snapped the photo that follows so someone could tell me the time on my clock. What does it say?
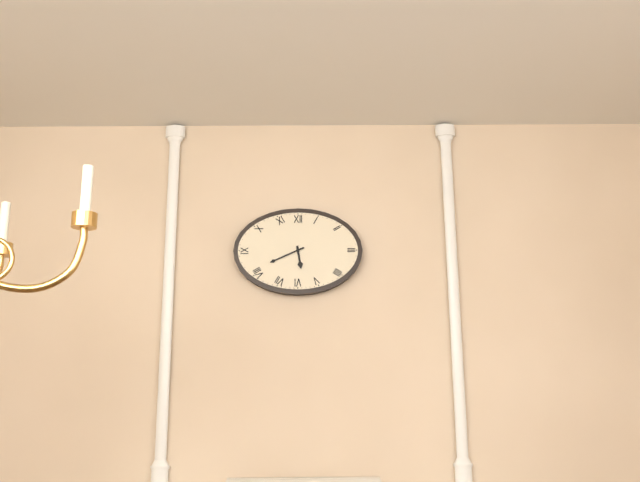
5:41
